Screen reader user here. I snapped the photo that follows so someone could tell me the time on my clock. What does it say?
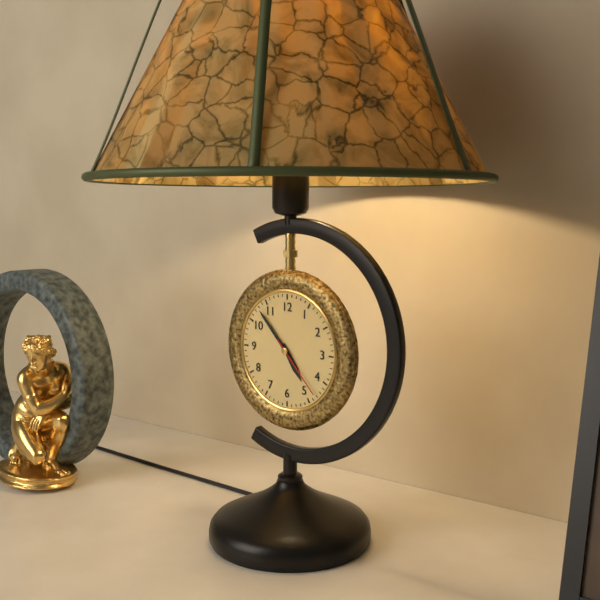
4:53:23
